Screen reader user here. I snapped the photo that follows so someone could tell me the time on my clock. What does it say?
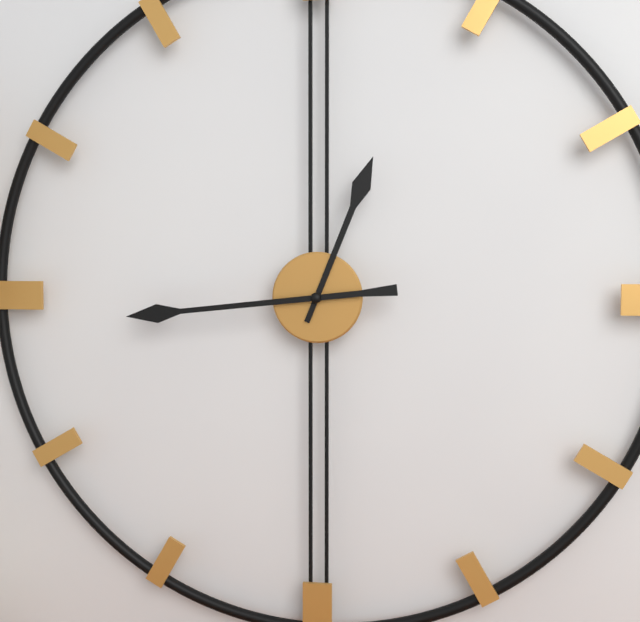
12:44
